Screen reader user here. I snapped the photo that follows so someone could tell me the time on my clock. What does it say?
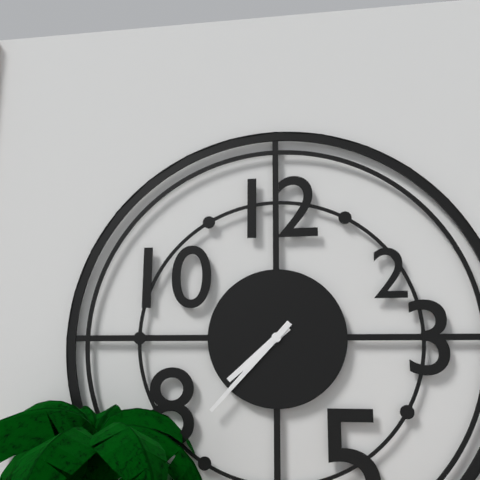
7:37
